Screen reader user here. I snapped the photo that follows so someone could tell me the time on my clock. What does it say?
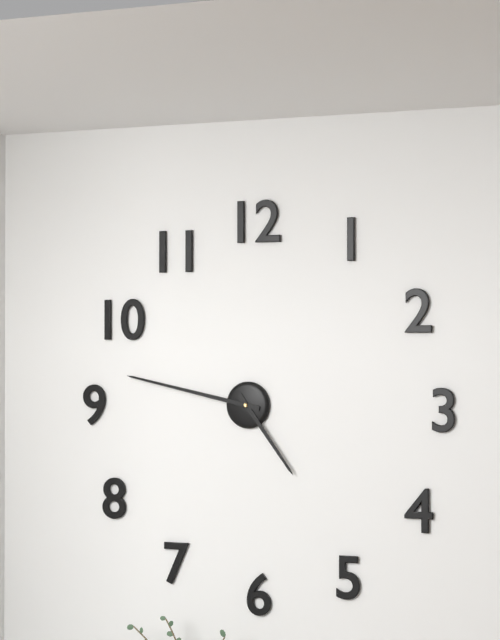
4:47
